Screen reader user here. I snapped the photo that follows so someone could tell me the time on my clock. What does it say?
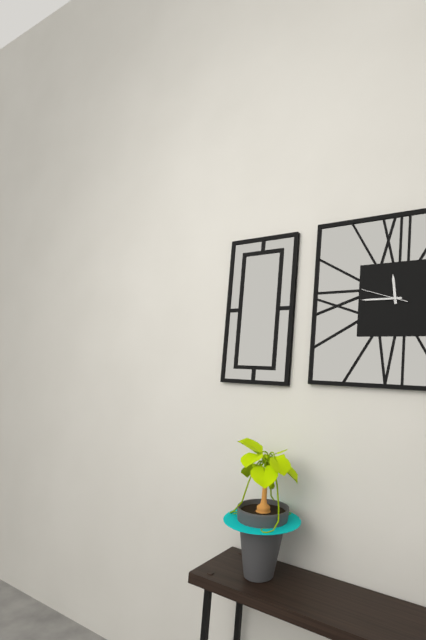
11:45
